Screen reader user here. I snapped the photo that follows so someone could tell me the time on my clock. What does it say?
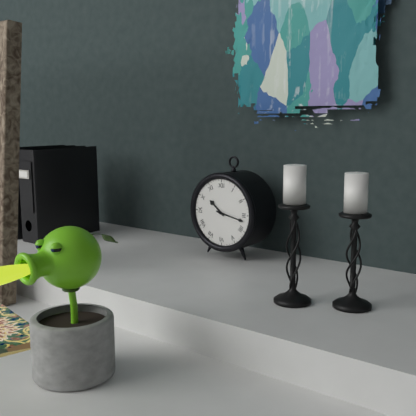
10:17
